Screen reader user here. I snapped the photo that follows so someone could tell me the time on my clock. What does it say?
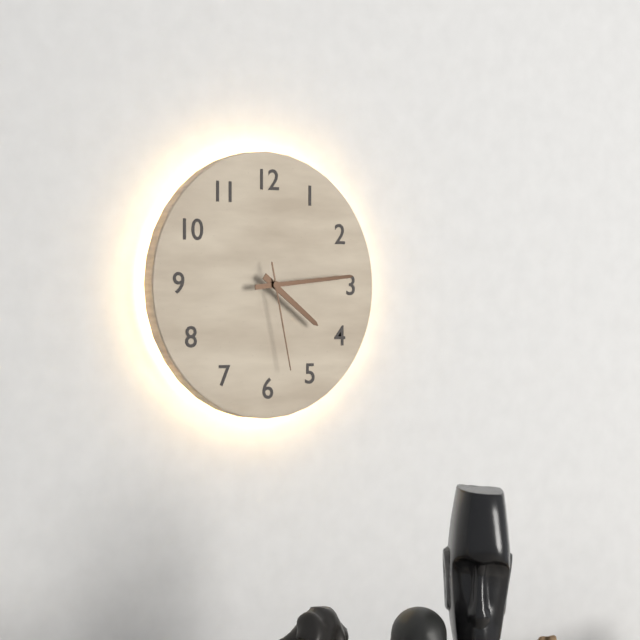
4:14:28
